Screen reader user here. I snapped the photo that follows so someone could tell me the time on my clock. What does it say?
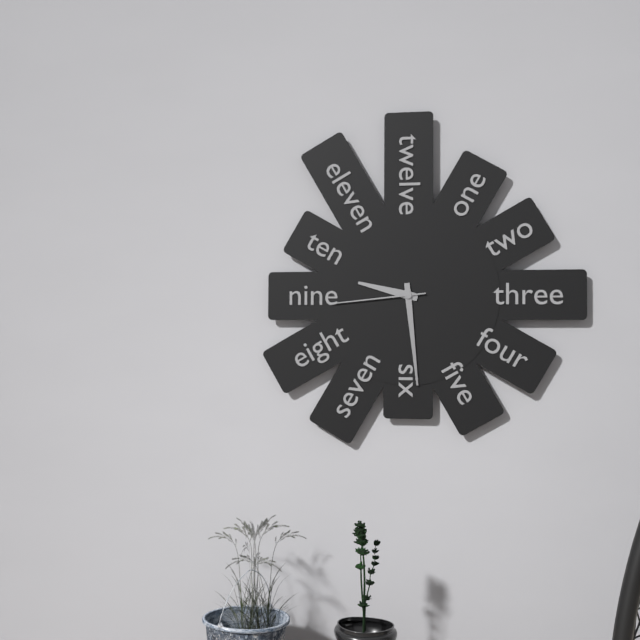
9:29:44
